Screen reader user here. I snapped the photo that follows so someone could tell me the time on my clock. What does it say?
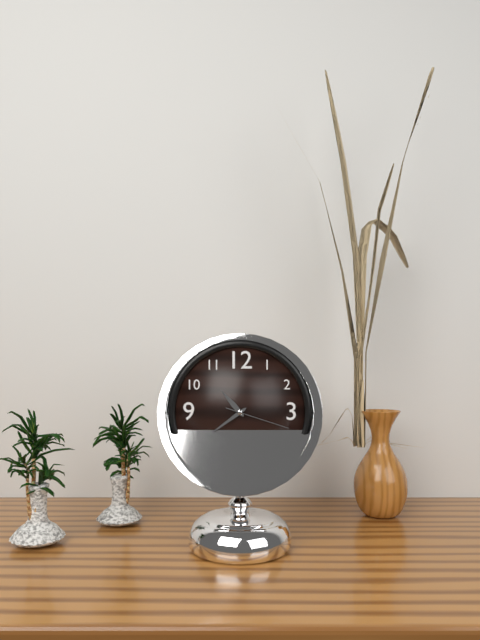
10:39:18
